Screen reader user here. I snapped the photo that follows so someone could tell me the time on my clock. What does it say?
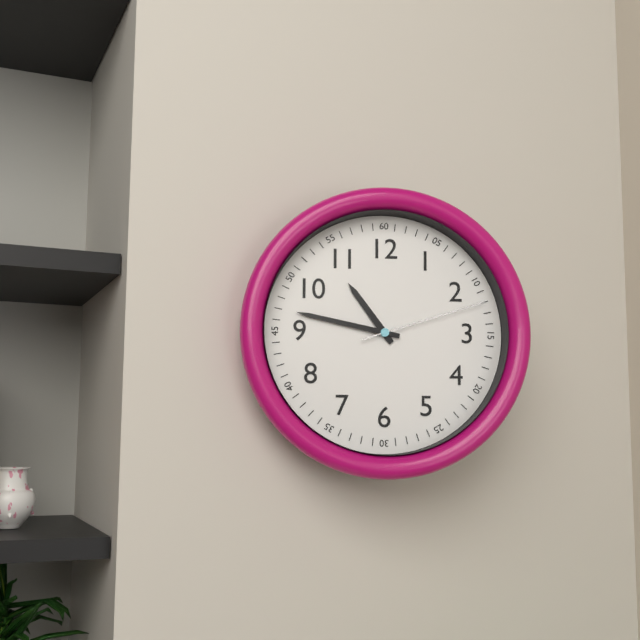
10:47:12
